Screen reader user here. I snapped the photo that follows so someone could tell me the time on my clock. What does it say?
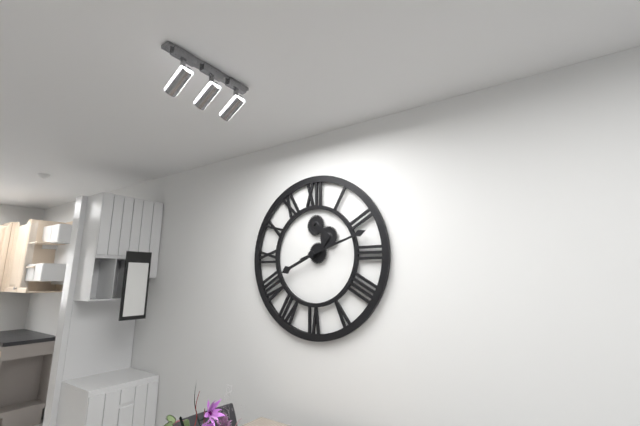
8:12
